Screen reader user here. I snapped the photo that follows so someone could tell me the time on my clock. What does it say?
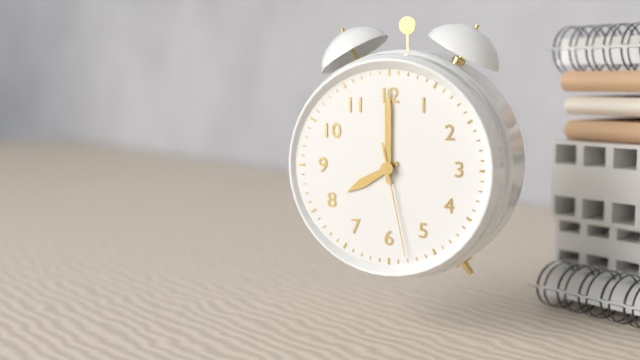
8:00:28
